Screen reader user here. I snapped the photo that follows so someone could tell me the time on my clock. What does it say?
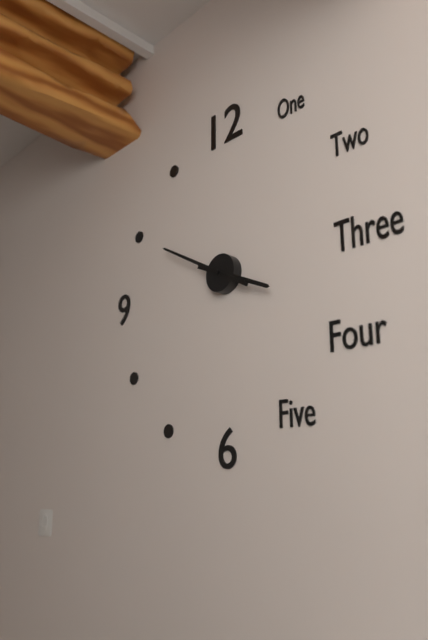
3:50
